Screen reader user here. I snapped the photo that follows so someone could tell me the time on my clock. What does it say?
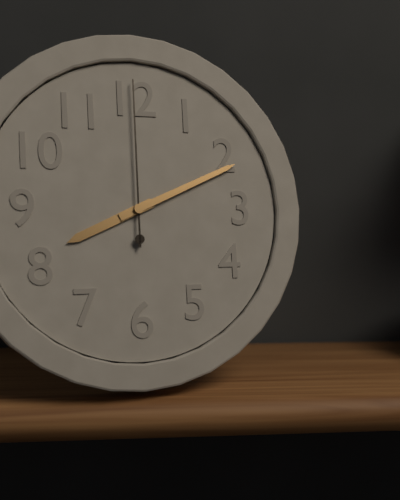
8:11:00
